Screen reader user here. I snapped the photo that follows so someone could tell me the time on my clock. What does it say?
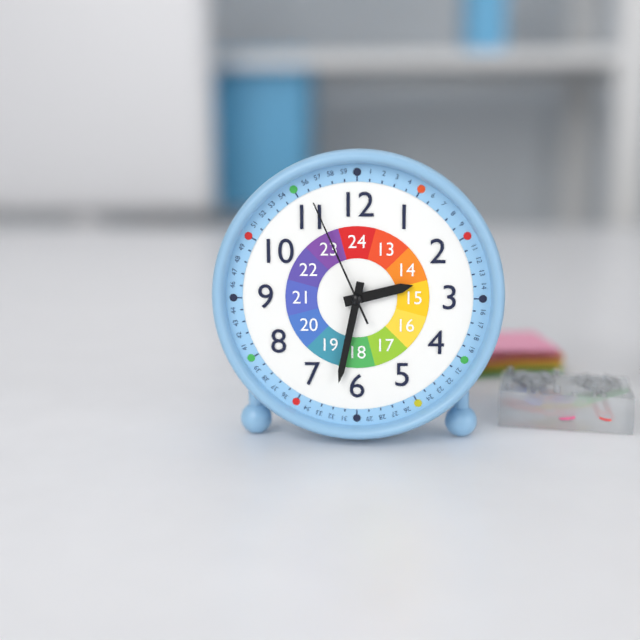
2:32:56
